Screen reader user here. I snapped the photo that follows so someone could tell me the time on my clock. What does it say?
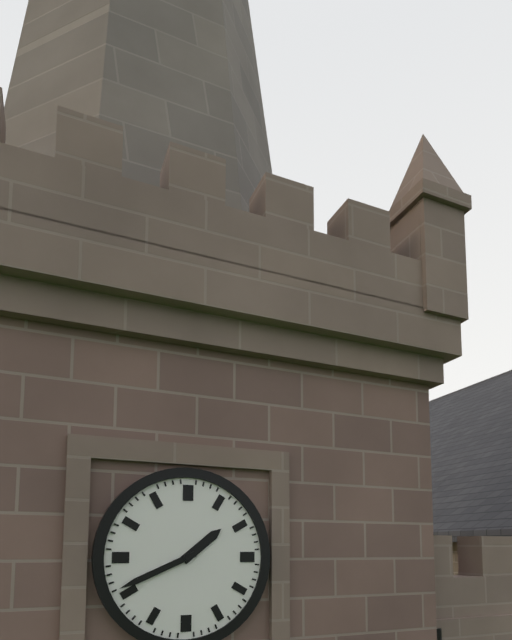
1:41
